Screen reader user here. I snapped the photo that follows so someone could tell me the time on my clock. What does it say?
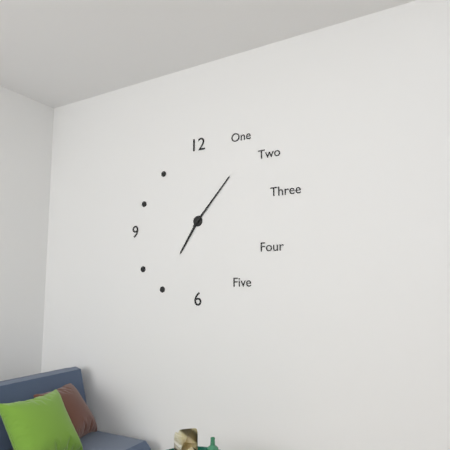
7:07
